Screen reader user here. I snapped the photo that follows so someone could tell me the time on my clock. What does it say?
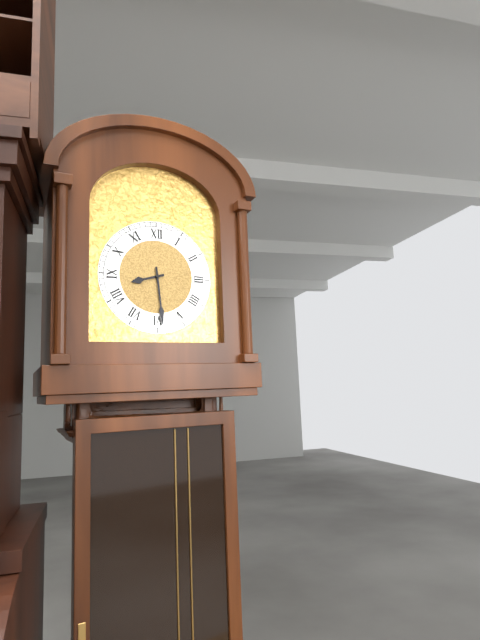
8:29
